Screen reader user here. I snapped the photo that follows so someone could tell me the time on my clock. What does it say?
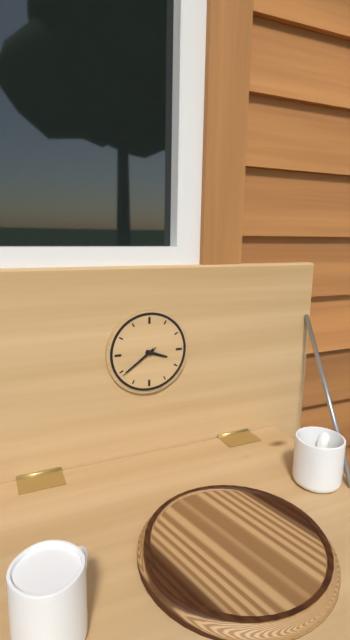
3:39
